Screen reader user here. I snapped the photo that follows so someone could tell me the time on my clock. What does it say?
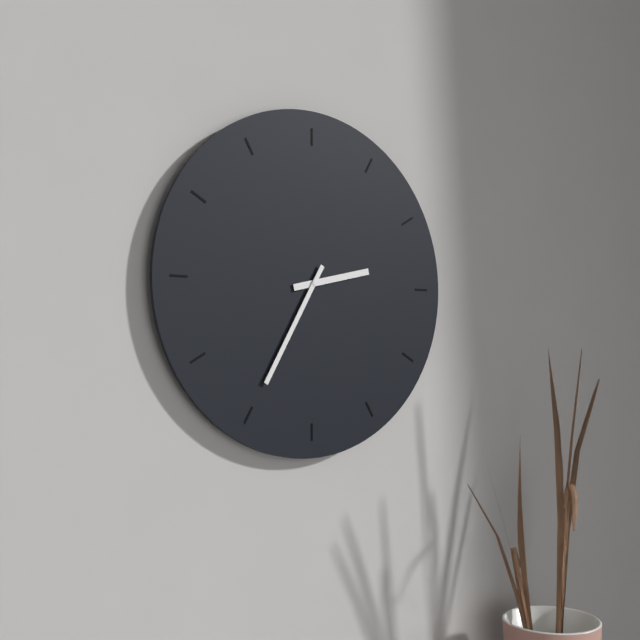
2:35
